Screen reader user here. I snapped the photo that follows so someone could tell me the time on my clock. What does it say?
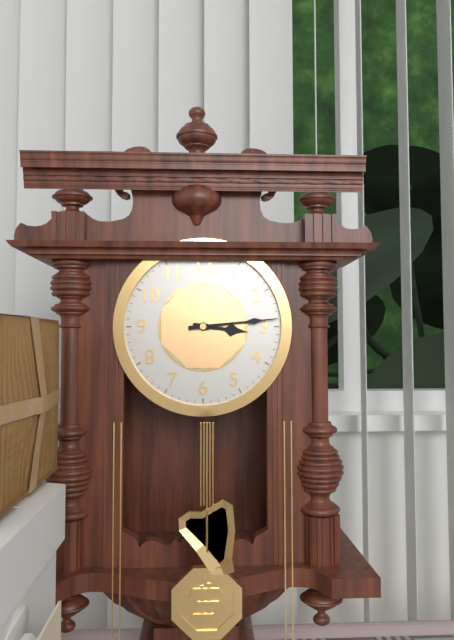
3:14
